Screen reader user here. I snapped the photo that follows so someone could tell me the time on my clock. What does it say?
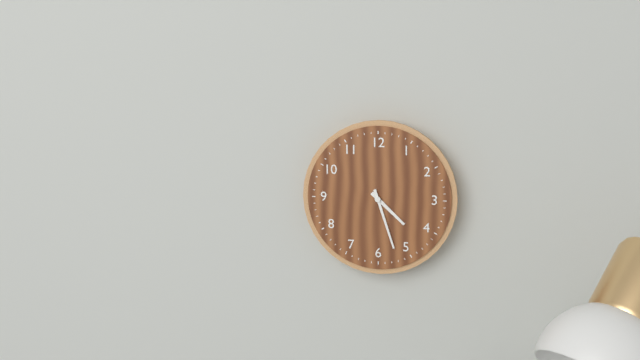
4:27
